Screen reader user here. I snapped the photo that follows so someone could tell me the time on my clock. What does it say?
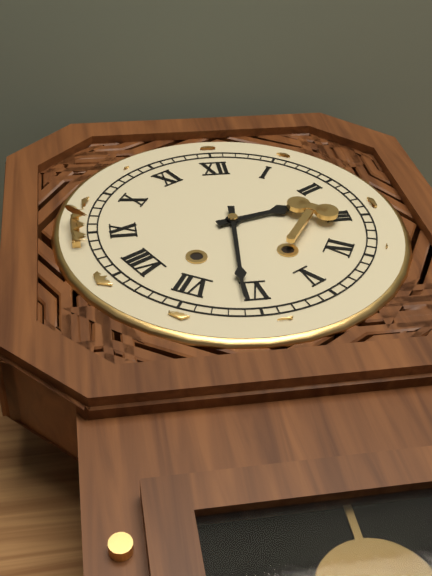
2:31
